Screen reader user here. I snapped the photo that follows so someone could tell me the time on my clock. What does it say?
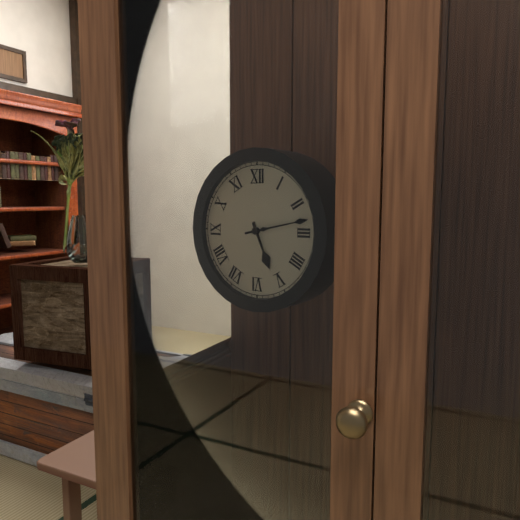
5:13
